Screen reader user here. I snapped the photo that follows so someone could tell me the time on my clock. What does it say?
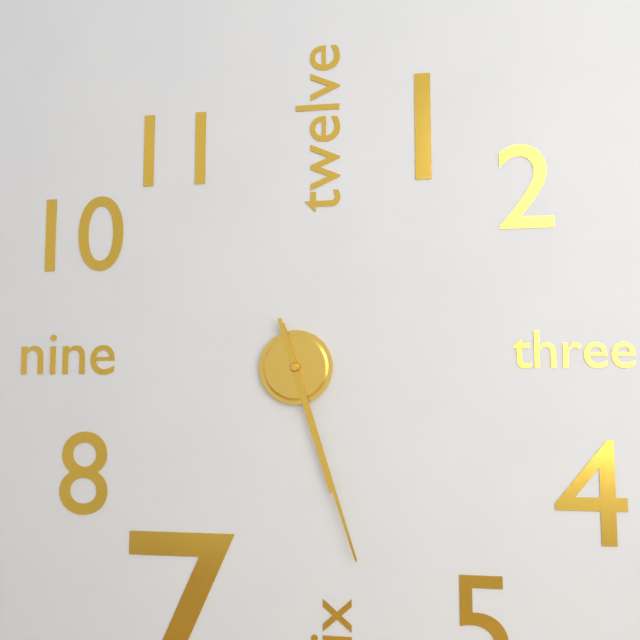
5:27
